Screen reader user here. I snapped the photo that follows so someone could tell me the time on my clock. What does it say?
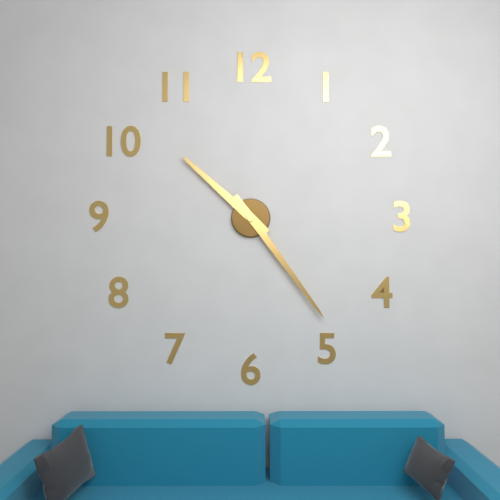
10:24
